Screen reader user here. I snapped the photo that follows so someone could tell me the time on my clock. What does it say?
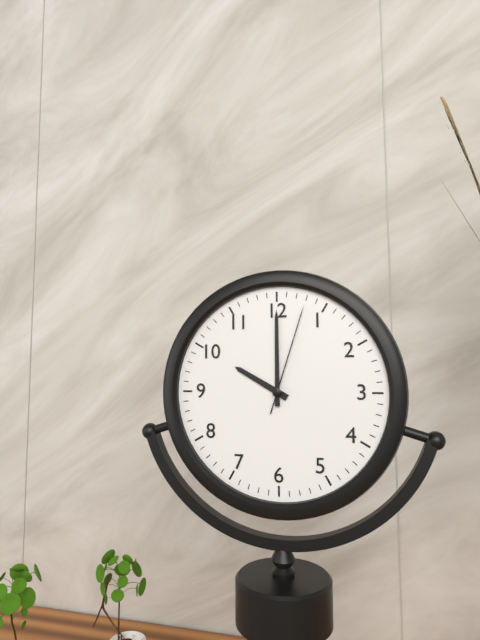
10:00:03
